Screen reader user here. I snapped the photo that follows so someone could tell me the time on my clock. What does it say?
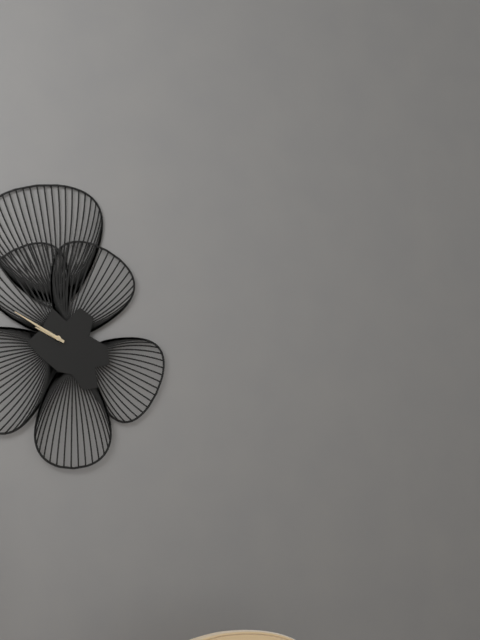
9:50
